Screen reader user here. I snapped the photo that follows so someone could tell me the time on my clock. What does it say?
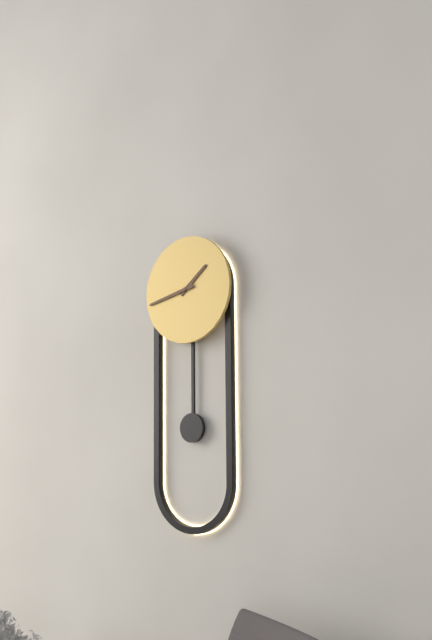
1:43
